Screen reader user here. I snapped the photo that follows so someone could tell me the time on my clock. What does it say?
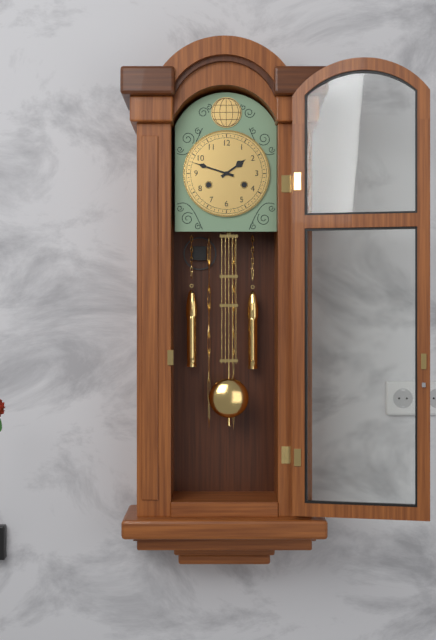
1:48
